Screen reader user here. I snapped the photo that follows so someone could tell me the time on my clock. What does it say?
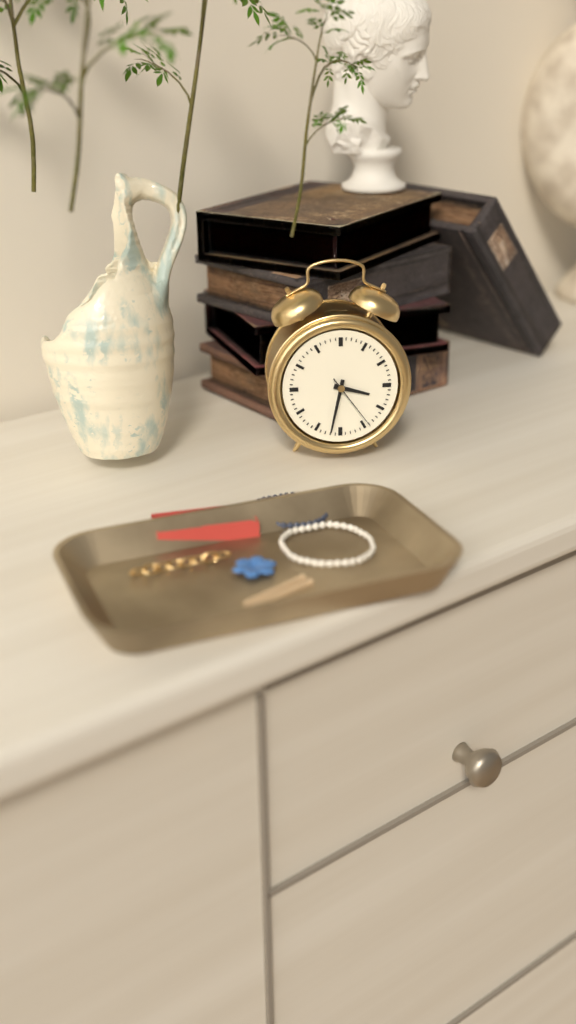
3:32:24
